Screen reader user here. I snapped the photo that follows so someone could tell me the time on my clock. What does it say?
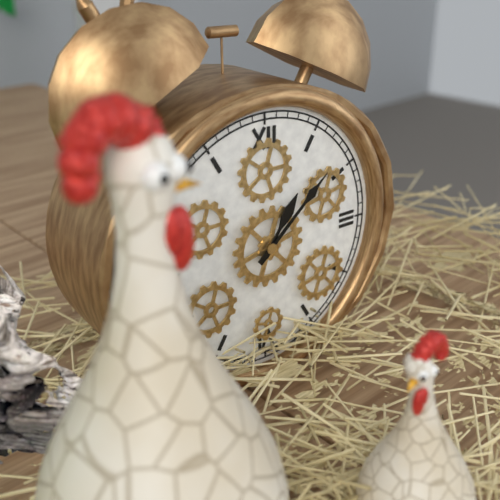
1:08
